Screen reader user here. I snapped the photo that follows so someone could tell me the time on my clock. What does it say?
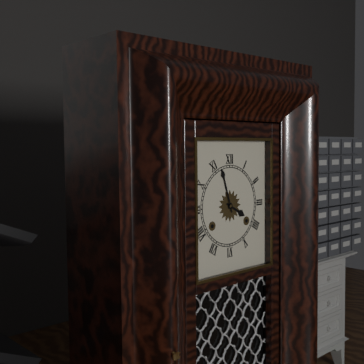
3:57
